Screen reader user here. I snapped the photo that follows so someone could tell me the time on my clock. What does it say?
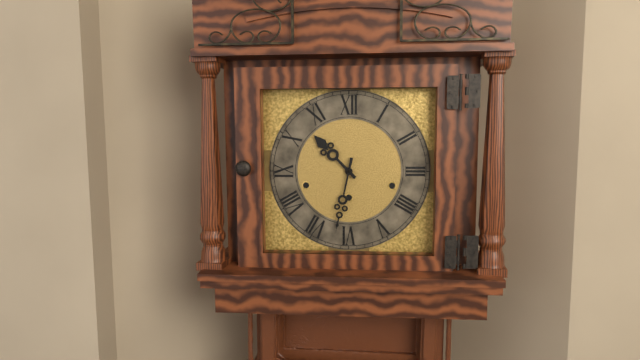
10:32
